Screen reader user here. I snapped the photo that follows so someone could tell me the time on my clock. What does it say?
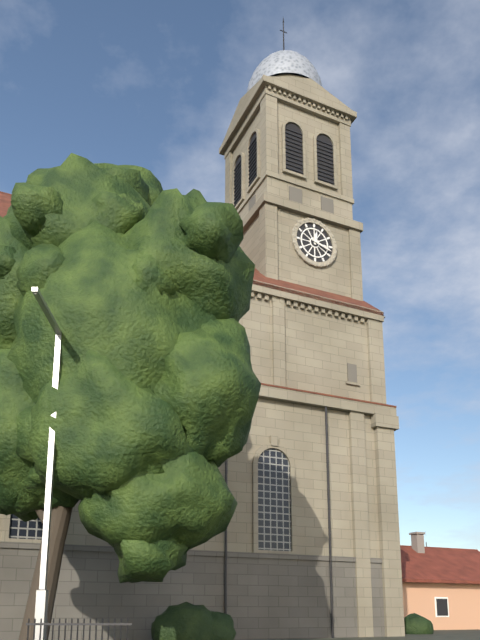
12:18
